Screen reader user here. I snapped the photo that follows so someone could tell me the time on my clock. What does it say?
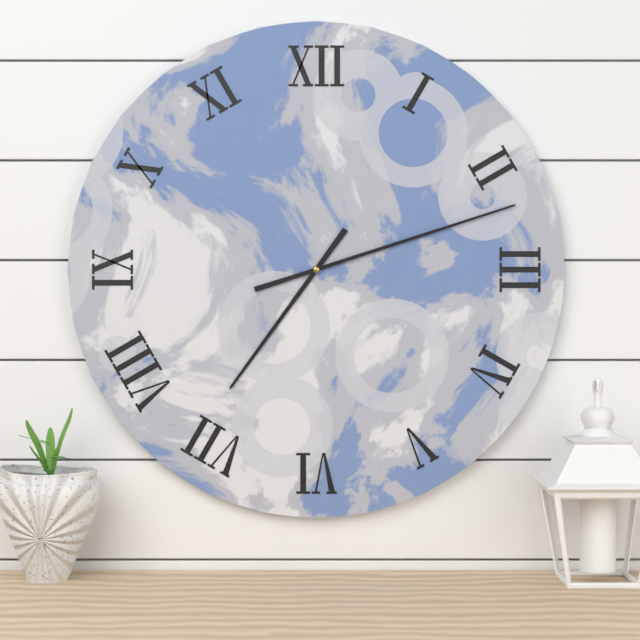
7:12
